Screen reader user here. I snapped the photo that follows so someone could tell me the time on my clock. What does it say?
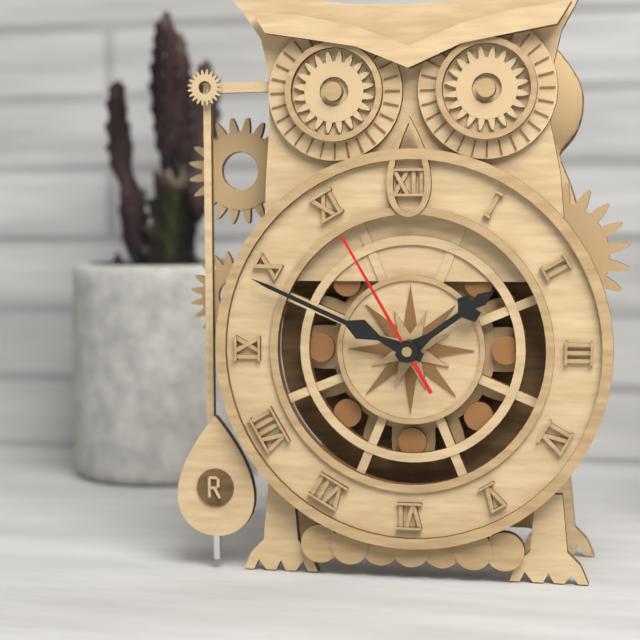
1:49:55
